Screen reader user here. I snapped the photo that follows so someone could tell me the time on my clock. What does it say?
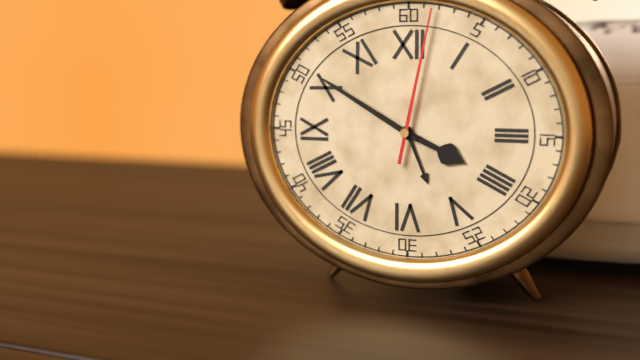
3:50:02
